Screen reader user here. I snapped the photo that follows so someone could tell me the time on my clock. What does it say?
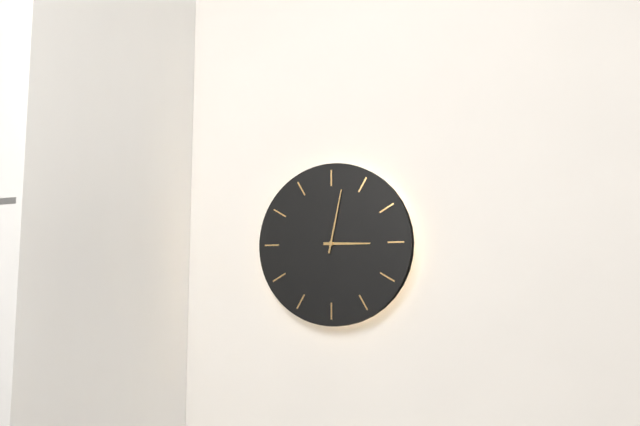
3:02
